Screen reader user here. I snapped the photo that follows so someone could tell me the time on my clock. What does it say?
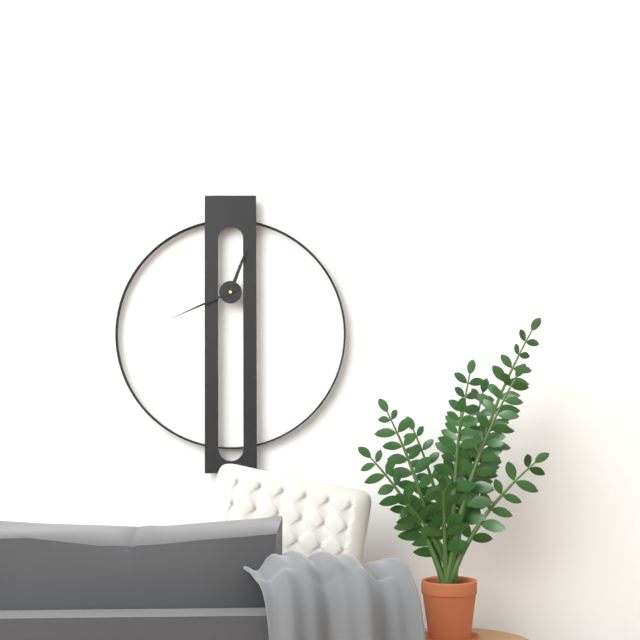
12:41
